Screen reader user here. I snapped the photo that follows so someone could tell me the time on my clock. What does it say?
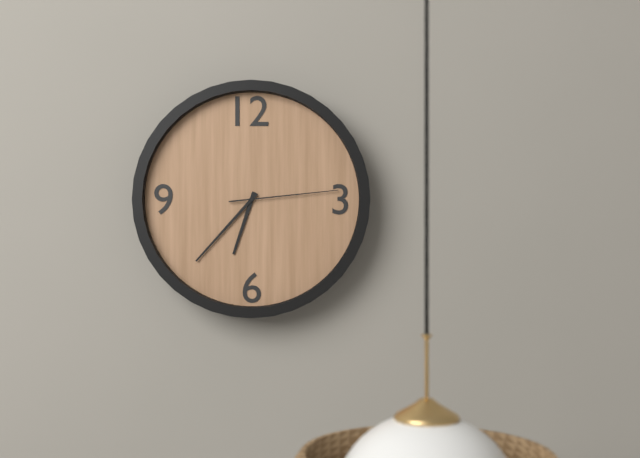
6:37:14
